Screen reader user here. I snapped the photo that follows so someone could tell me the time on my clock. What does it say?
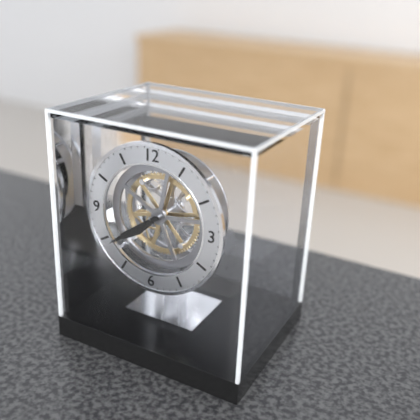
7:39
